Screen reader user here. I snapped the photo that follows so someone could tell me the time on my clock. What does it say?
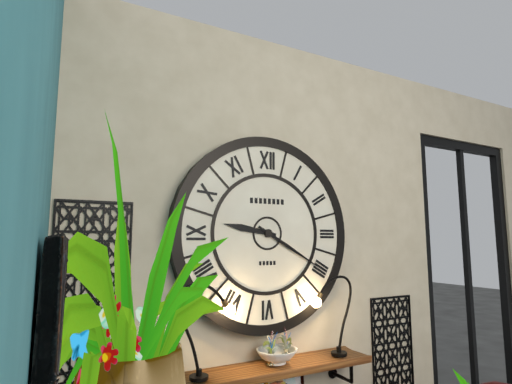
9:20
